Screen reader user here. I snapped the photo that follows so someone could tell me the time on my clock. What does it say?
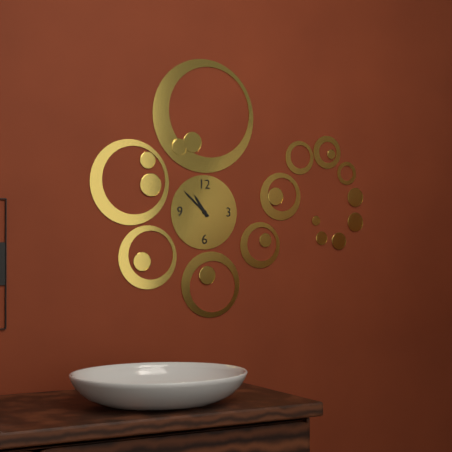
10:52
